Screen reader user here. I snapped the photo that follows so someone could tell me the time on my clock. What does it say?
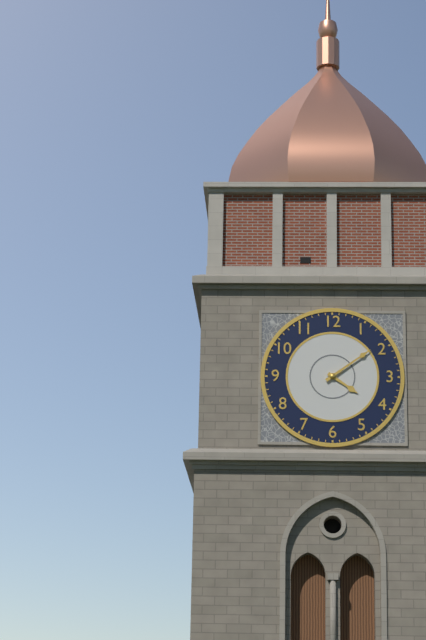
4:09
